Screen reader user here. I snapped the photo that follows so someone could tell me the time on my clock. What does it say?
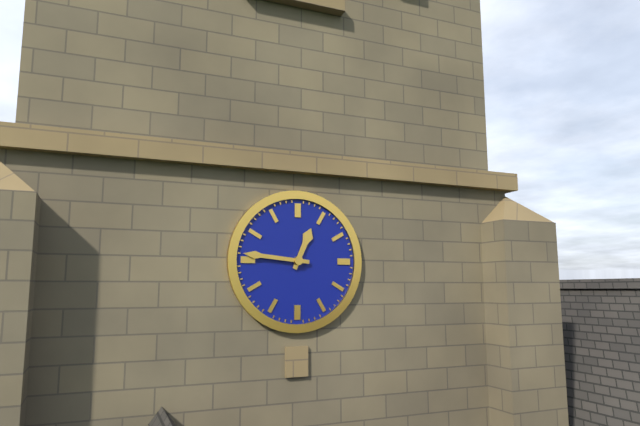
12:46
